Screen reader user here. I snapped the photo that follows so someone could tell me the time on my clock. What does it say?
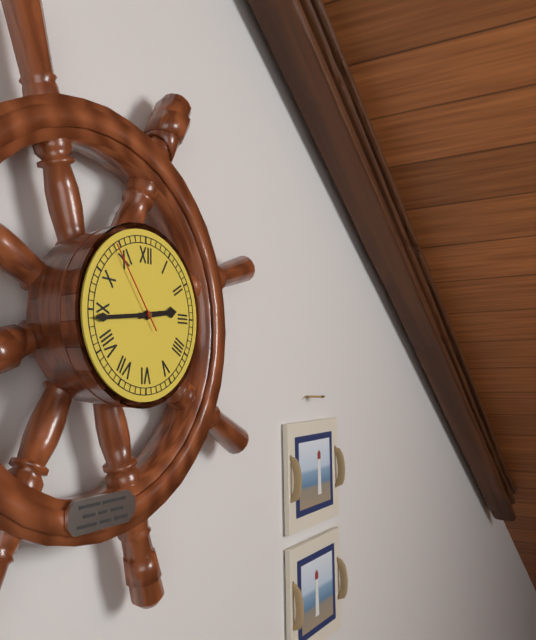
2:44:54
